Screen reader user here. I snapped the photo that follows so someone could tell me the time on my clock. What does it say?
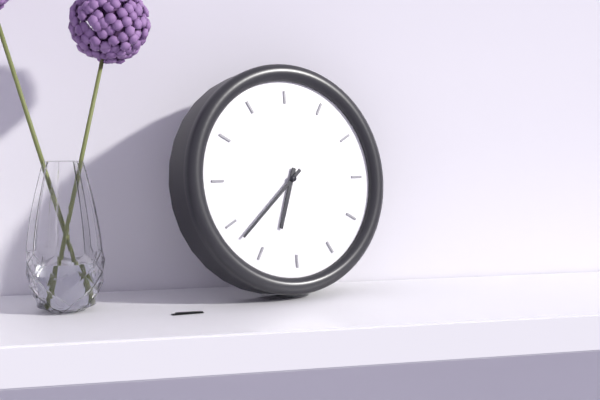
6:38
